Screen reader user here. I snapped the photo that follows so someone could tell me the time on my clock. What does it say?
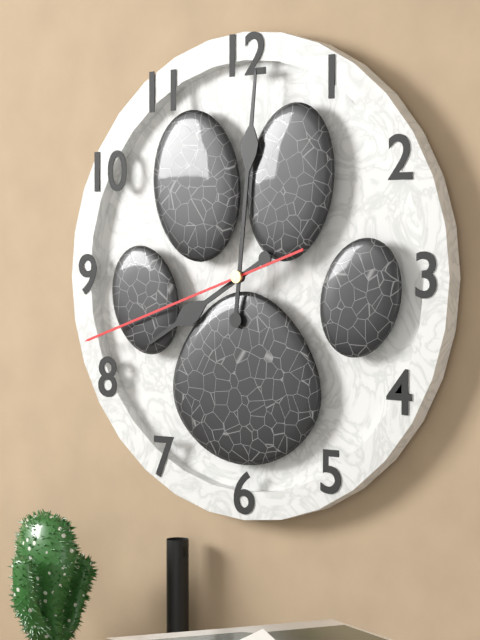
8:01:42
